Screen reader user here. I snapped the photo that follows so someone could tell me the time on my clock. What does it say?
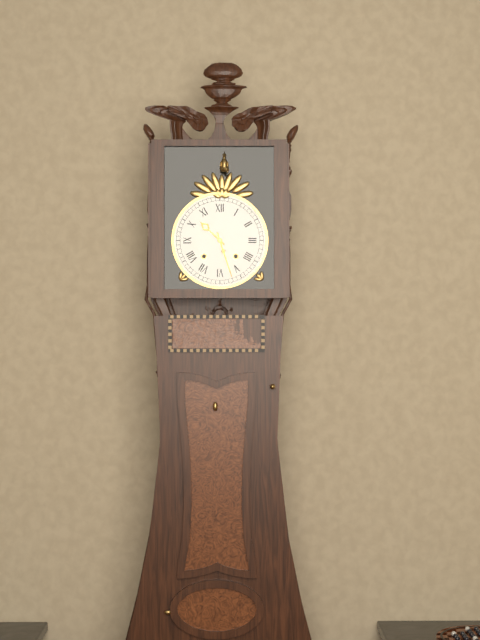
10:27
